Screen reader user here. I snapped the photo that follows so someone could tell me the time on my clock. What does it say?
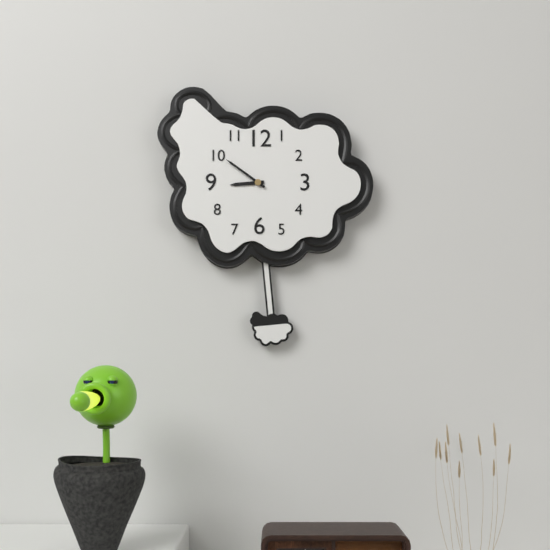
8:51
